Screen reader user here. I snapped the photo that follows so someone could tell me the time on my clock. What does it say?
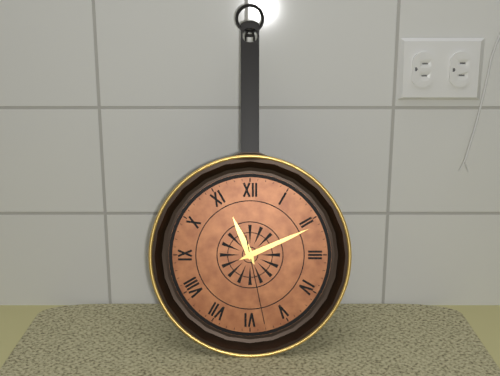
11:11:28
